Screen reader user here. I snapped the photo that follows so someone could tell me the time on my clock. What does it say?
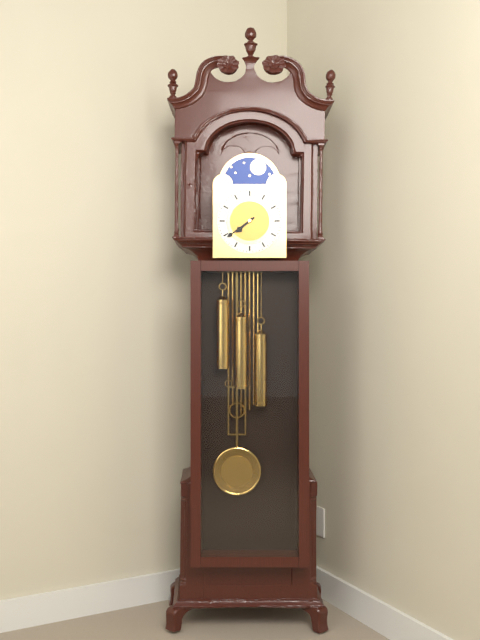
7:39
